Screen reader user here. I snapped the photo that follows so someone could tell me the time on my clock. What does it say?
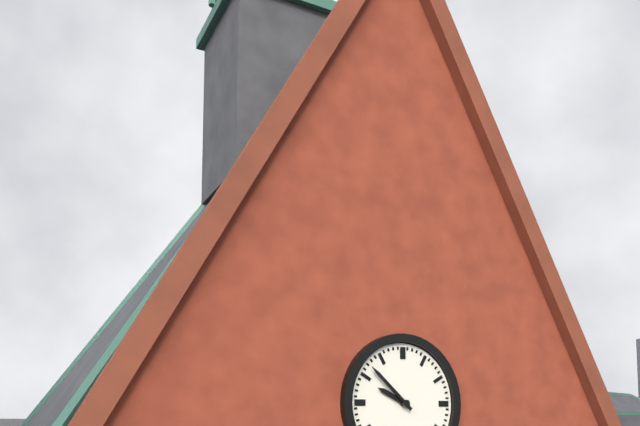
9:52
